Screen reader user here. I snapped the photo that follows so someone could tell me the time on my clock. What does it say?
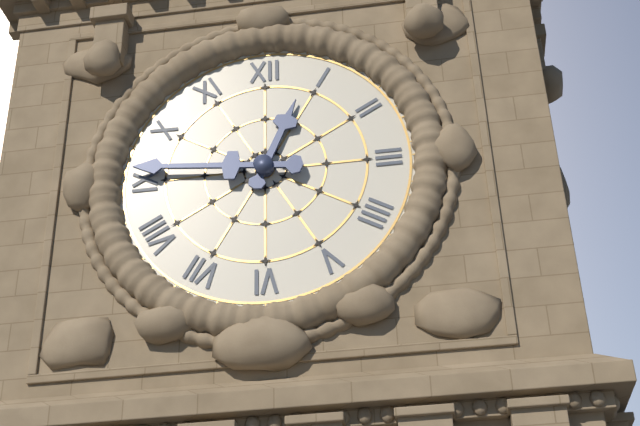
12:46
